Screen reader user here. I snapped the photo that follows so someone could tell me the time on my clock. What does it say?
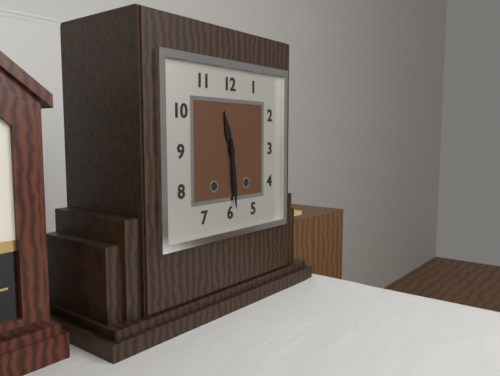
11:29
